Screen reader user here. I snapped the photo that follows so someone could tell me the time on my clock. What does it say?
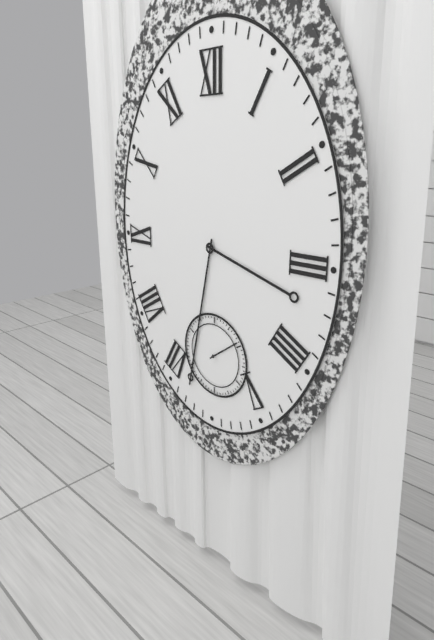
3:32
